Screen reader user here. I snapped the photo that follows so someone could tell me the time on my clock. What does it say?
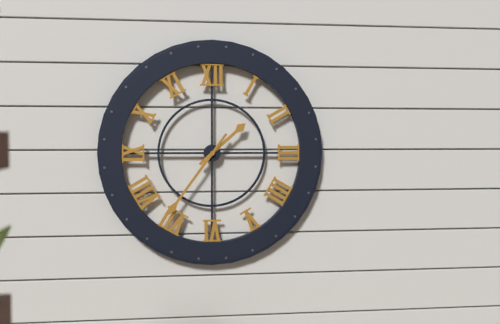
1:36
